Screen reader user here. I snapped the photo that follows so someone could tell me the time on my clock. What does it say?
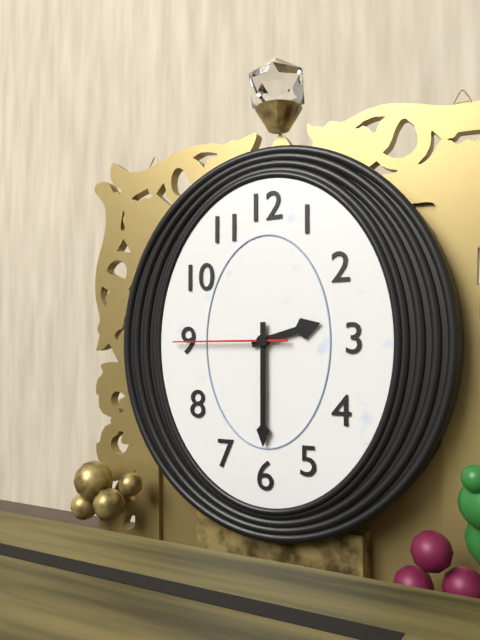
2:30:45
